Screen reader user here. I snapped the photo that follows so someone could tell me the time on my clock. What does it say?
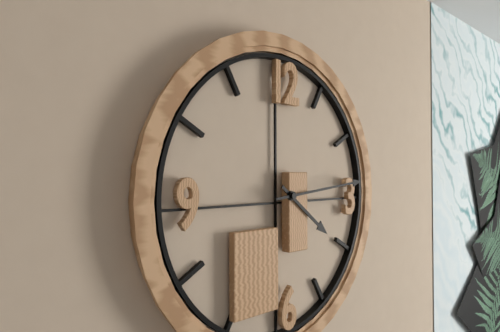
4:14
